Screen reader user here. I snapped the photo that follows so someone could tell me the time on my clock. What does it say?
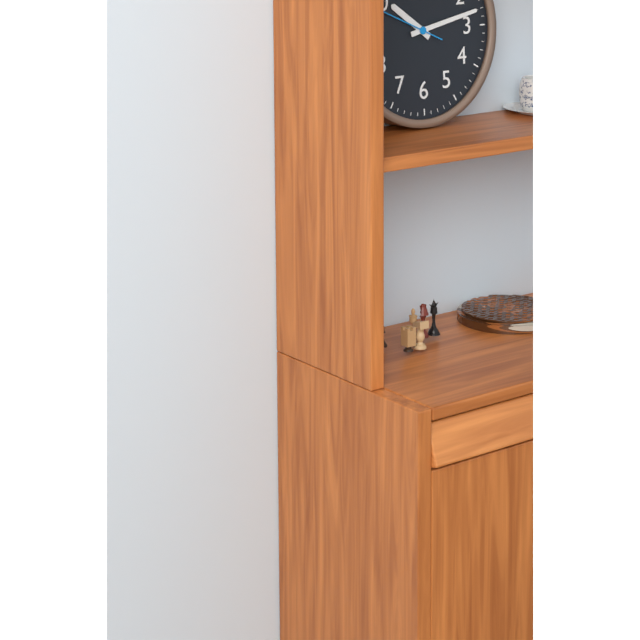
10:13:49
